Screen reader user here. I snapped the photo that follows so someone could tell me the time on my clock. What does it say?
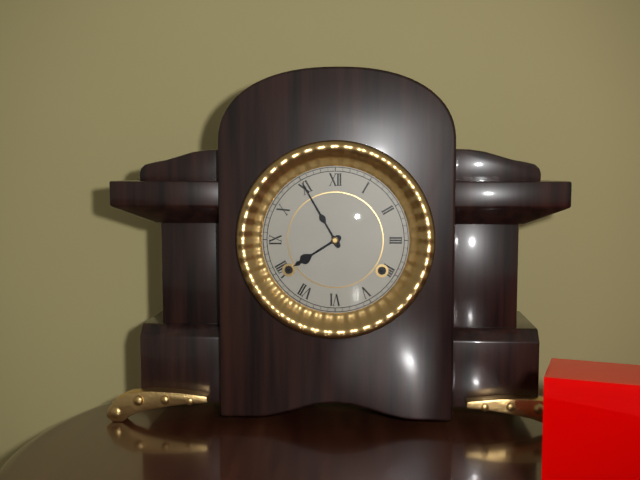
7:55
